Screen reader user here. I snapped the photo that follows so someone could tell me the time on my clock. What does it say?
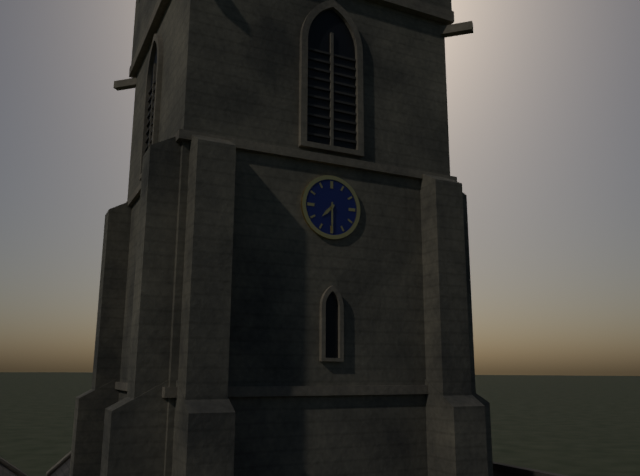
7:30
